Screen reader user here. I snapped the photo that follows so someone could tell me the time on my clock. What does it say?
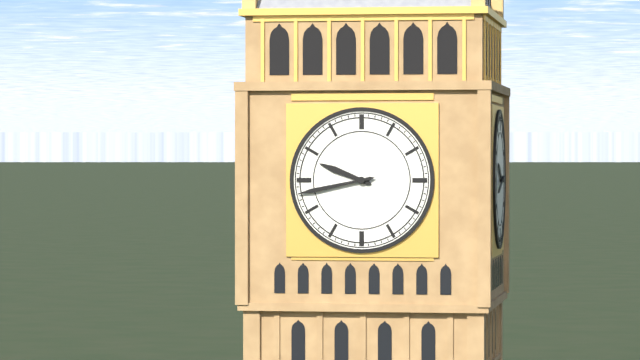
9:43
